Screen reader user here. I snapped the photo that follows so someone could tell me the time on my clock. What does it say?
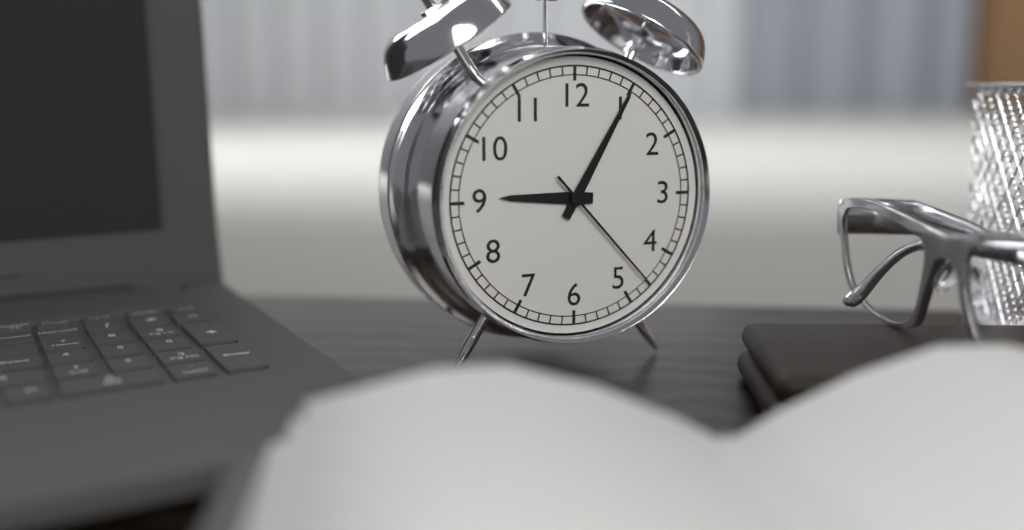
9:05:23
